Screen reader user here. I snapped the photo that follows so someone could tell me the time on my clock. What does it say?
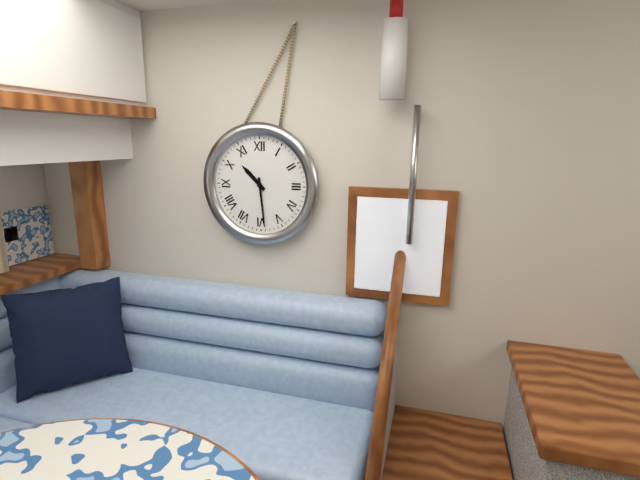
10:29
